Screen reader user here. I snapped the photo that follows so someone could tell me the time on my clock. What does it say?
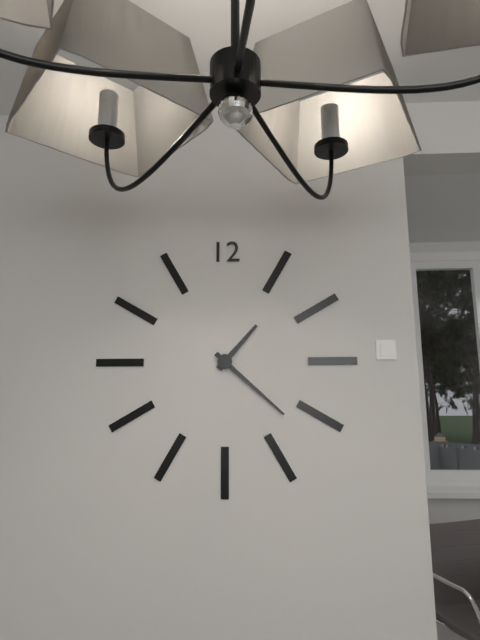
1:22
